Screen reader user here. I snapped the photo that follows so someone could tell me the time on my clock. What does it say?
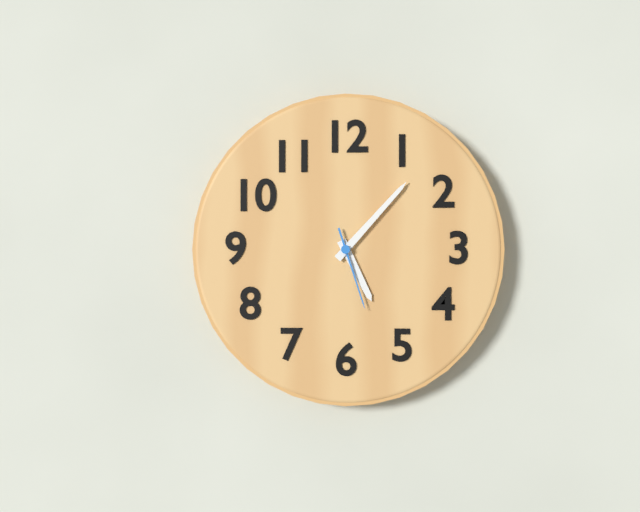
5:07:27
